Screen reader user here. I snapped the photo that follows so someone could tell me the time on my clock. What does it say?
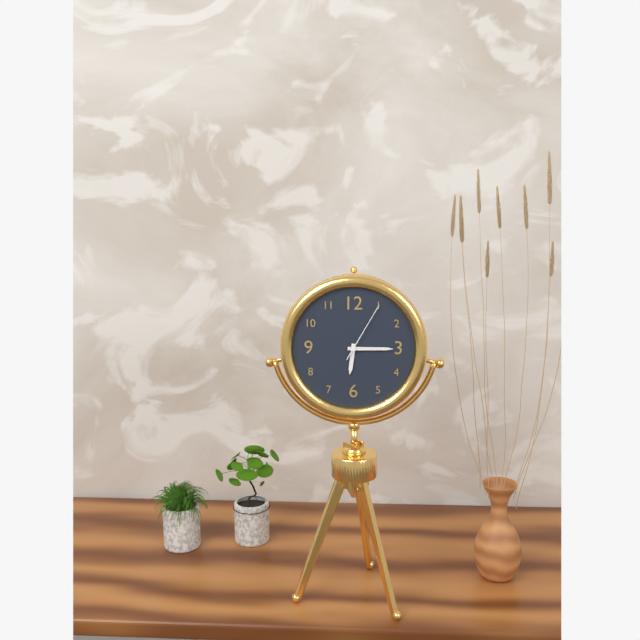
6:15:05
